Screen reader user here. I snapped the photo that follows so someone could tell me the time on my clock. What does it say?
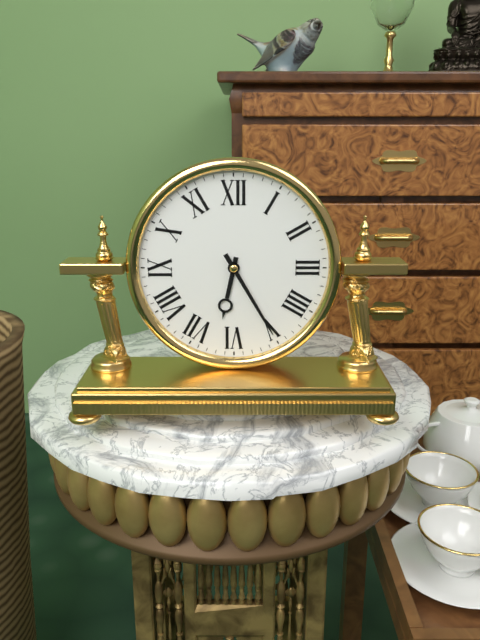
6:25
